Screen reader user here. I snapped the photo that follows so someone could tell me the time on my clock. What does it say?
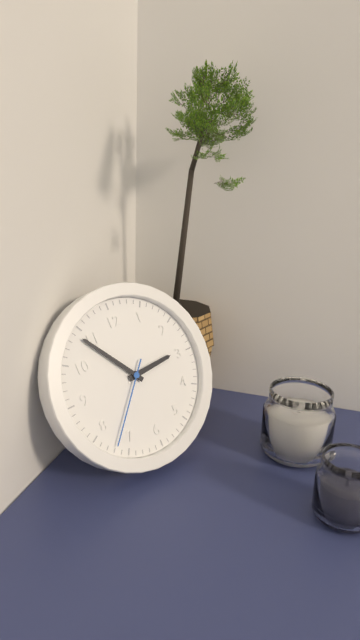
2:54:37
